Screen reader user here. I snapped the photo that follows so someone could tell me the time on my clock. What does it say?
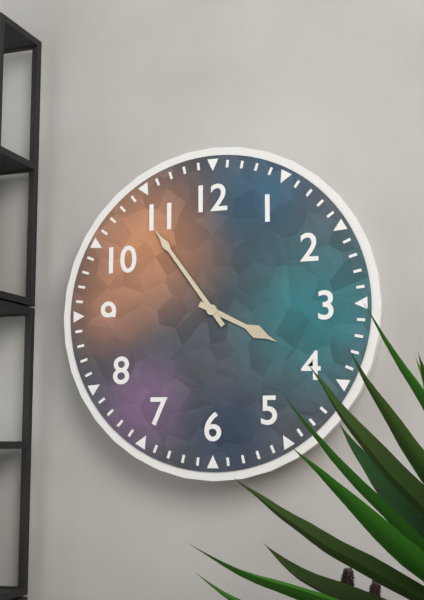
3:54
